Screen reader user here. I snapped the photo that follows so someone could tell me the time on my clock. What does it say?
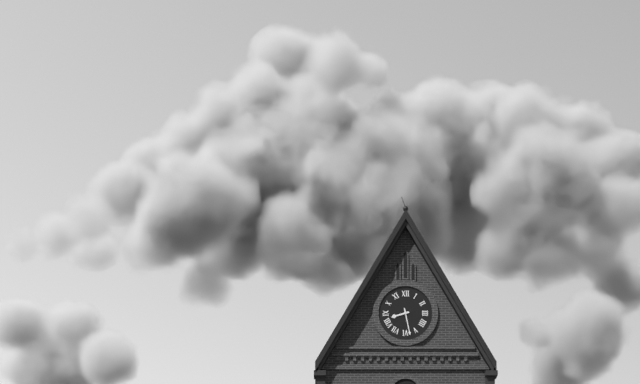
8:28
